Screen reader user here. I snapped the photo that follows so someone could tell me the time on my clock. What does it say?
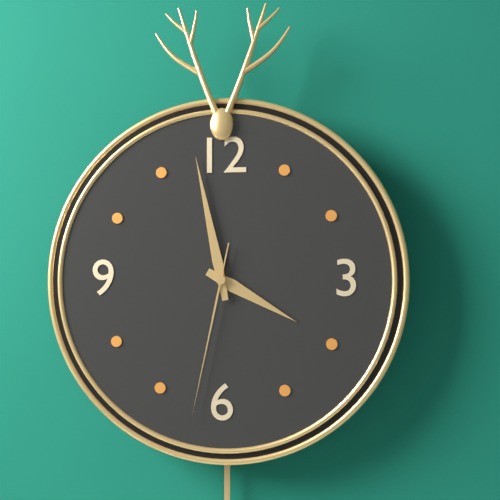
3:58:32
